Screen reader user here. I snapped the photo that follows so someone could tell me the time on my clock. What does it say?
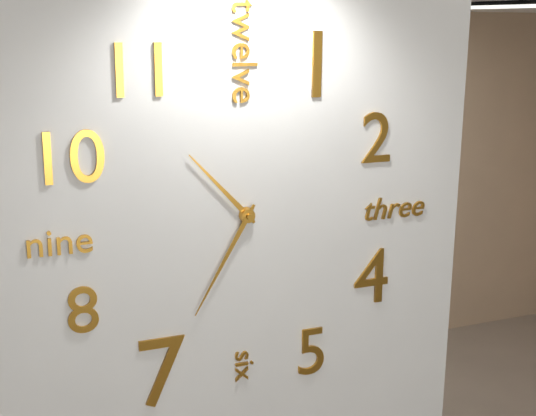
10:35
